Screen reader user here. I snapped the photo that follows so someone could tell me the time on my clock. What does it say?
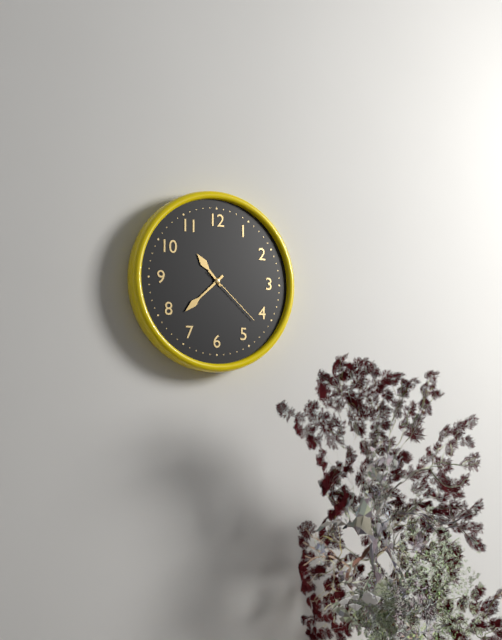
10:38:22
